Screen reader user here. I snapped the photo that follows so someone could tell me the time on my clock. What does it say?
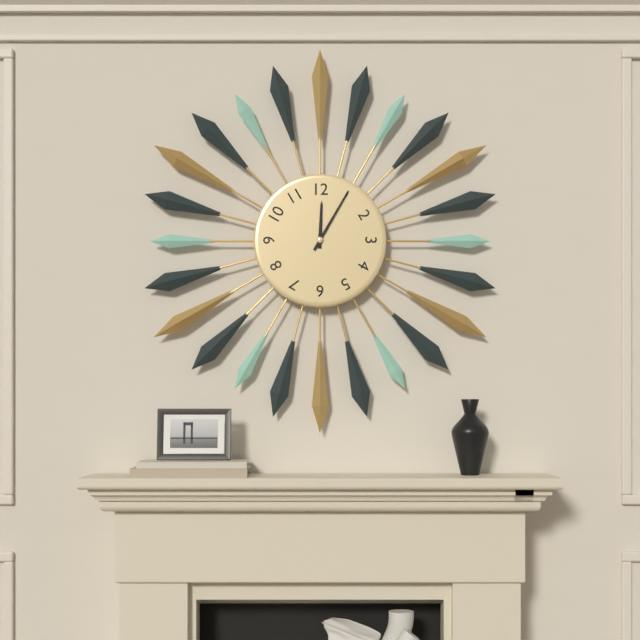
12:05
